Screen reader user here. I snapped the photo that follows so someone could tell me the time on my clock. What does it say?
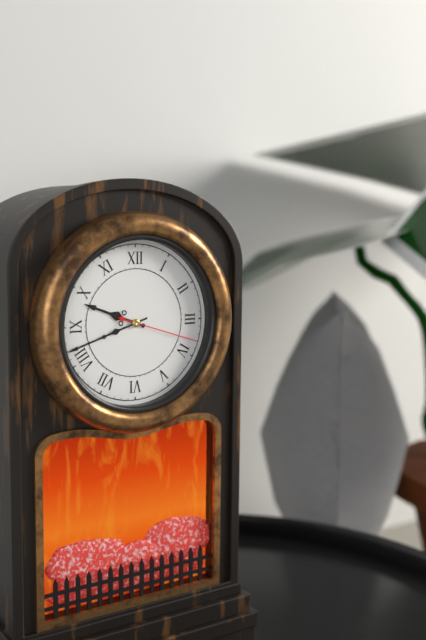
9:42:18
